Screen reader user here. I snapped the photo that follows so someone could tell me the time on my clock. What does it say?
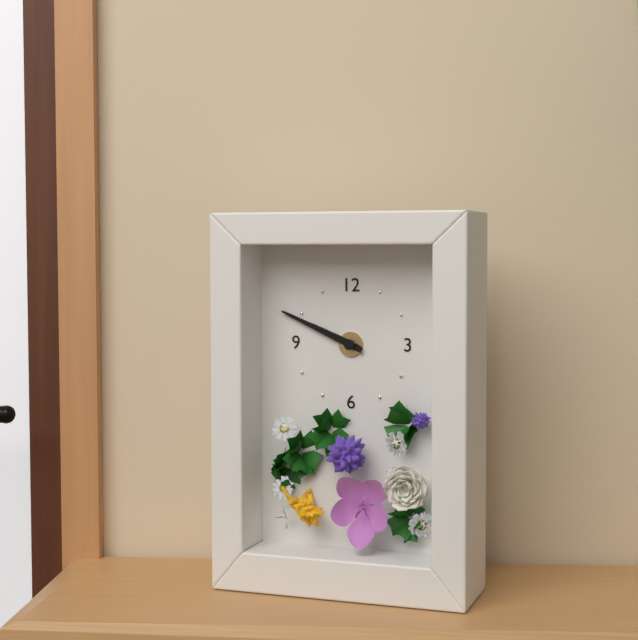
9:49
